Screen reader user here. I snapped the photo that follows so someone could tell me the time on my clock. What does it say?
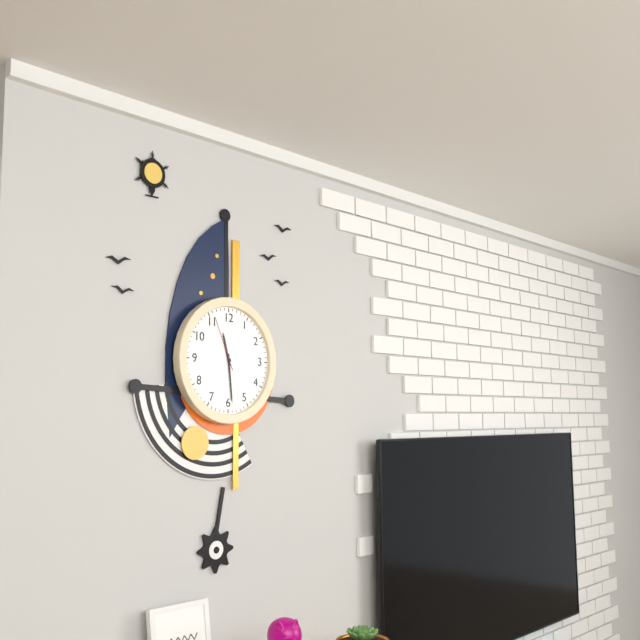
11:29:56
